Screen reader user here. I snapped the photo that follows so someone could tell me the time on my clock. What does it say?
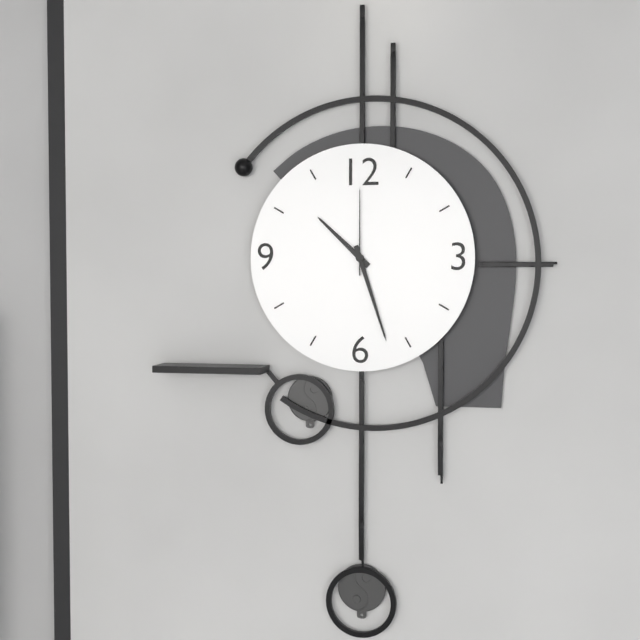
10:27:00
